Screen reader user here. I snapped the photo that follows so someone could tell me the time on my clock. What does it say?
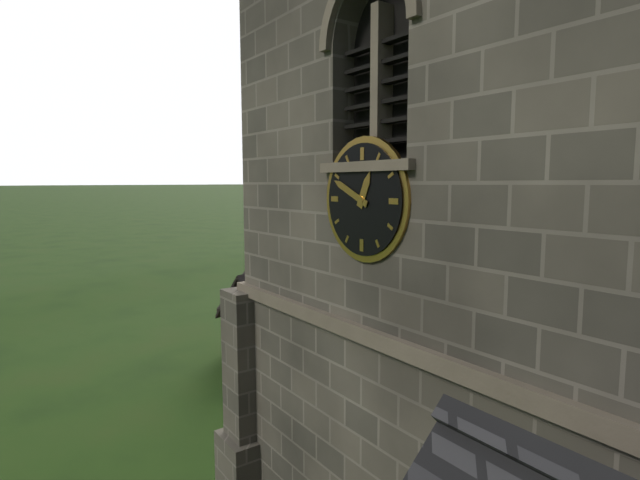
12:49
